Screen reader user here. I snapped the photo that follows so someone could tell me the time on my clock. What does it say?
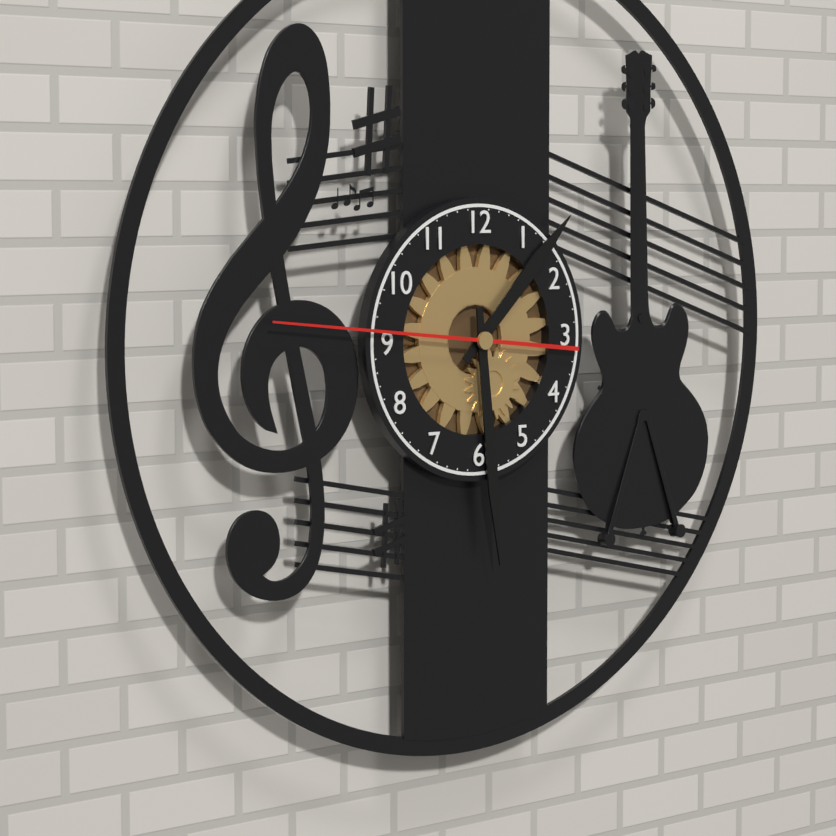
1:29:46
